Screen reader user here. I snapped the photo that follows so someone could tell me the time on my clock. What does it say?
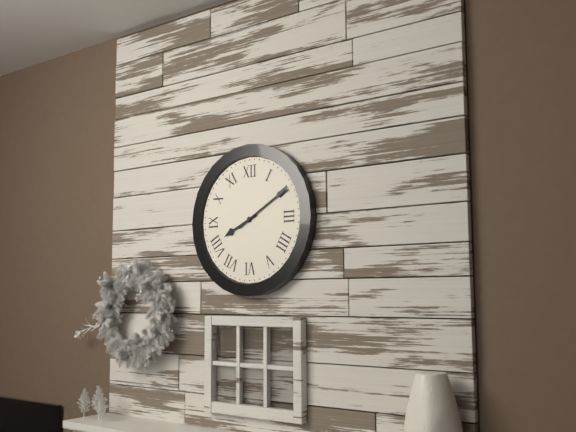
8:10
